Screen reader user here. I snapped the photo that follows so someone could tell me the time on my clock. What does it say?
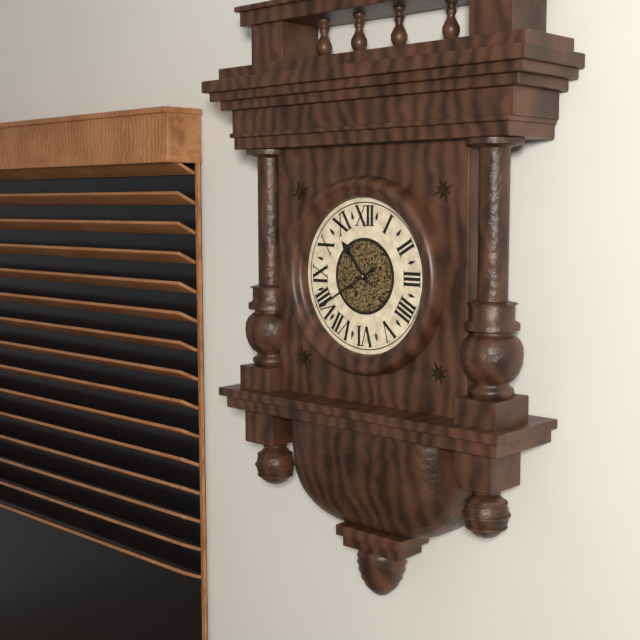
10:40
